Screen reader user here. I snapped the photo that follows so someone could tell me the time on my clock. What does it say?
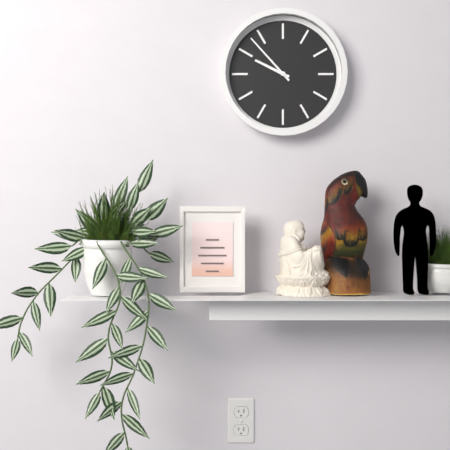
9:53
